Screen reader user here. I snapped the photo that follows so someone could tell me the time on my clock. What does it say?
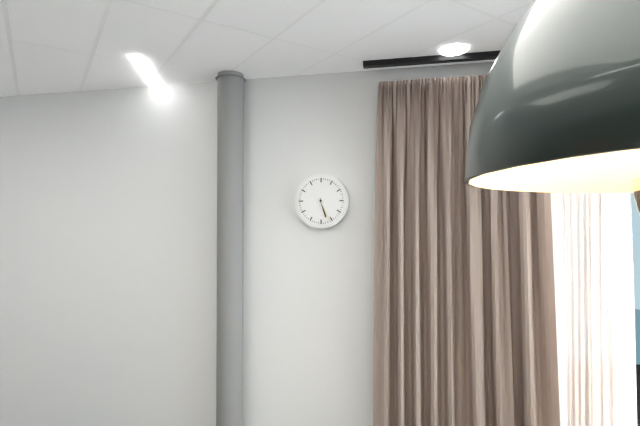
5:26
